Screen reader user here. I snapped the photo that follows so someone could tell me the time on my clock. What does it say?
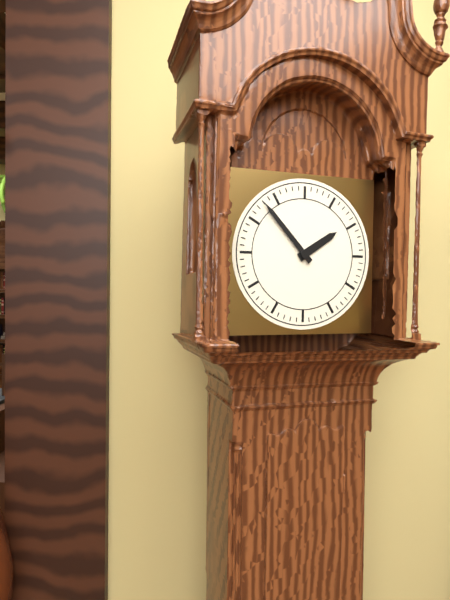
1:53
